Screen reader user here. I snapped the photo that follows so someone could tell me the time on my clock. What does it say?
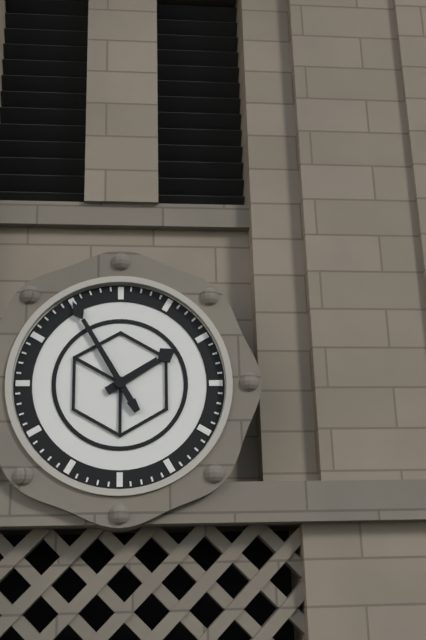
1:55
